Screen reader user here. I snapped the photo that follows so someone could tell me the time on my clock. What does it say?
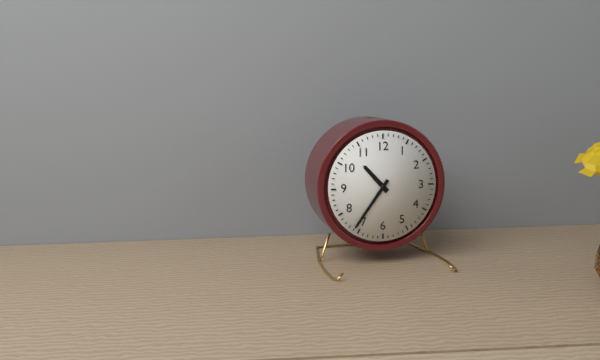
10:36
